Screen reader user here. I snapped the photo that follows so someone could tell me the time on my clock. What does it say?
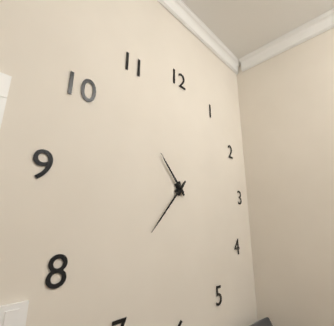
10:37
